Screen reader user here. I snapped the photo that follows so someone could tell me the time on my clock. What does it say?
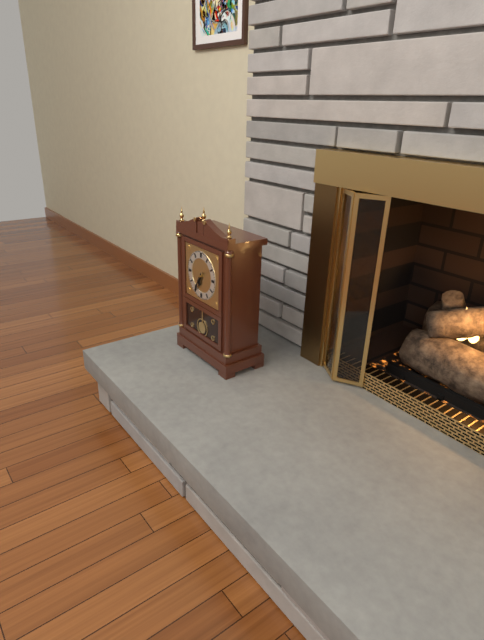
6:35
